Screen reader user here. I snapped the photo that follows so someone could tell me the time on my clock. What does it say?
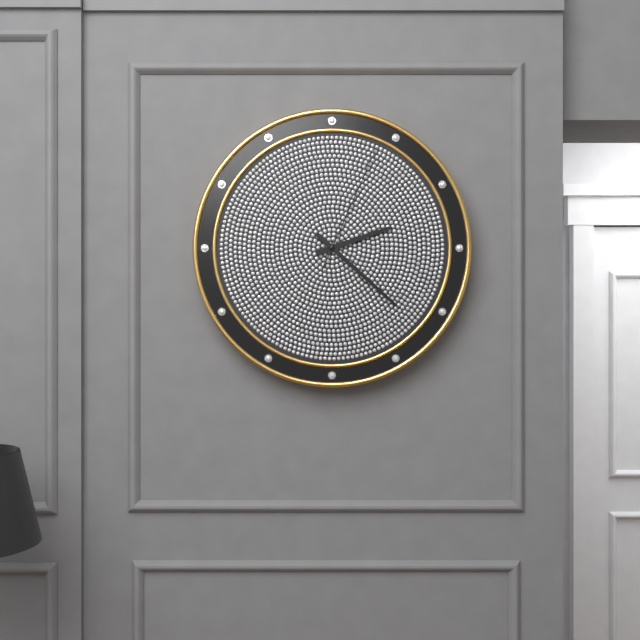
2:22:04
